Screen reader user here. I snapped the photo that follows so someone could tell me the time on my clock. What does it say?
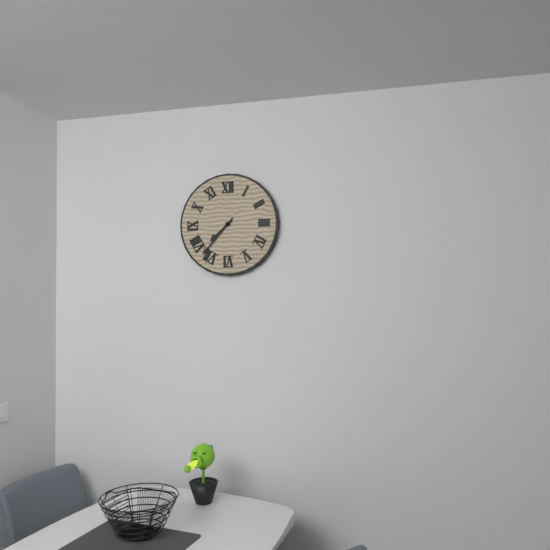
7:37
